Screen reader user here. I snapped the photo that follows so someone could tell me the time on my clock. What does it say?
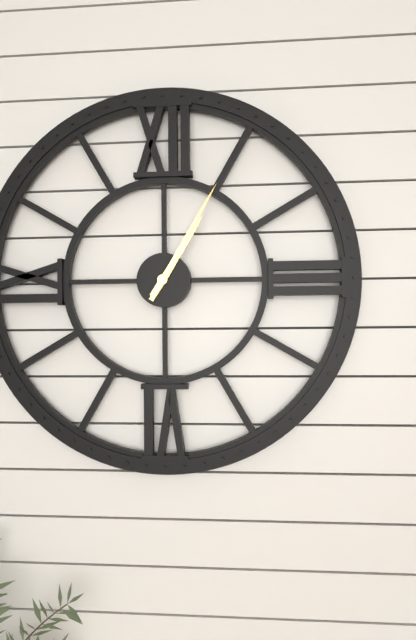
1:05
